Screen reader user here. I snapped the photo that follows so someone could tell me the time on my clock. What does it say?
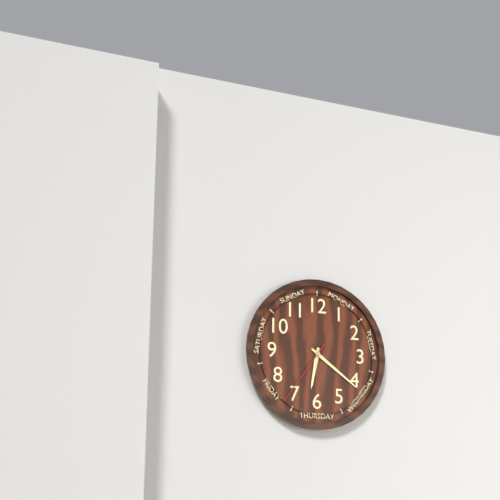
6:21:36
